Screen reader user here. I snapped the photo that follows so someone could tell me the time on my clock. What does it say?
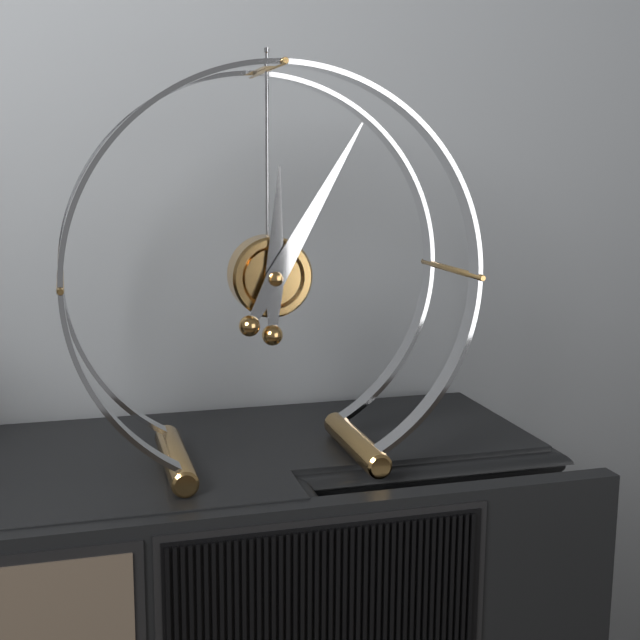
12:05
